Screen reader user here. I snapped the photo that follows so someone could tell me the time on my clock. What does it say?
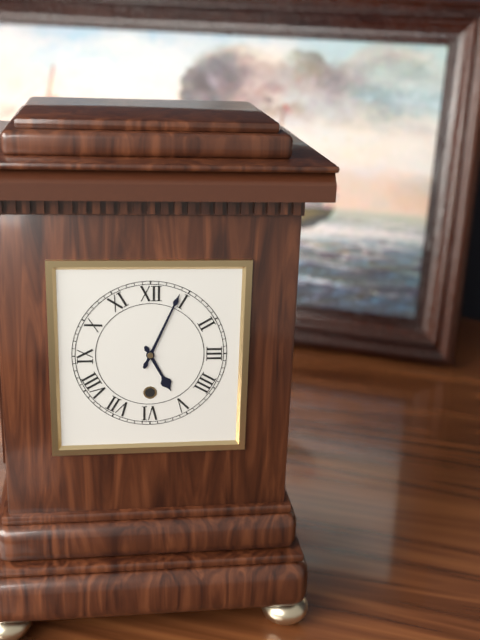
5:04
